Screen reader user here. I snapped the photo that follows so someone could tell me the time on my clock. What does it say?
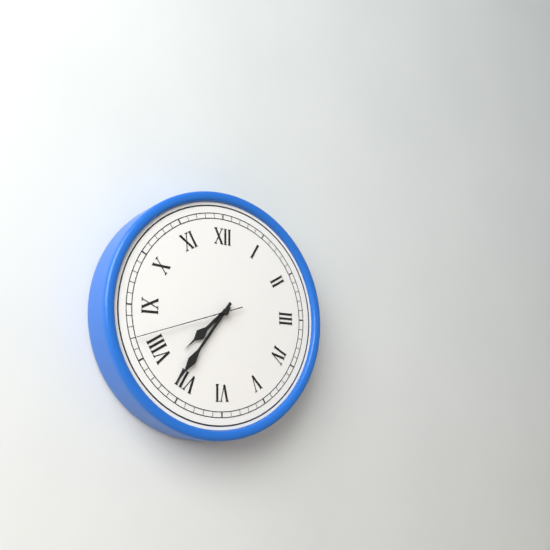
7:36:42
